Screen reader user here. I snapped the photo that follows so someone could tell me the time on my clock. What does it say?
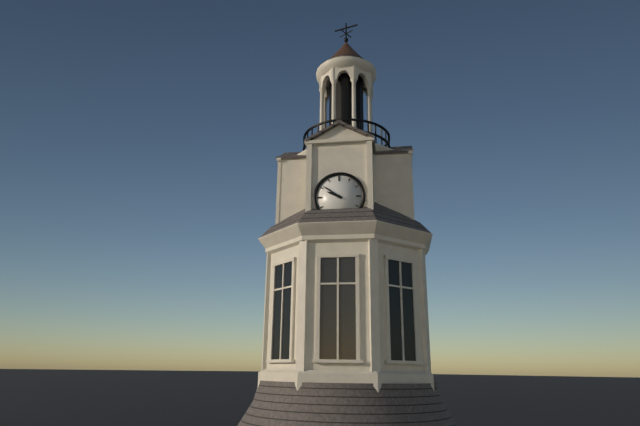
9:51
